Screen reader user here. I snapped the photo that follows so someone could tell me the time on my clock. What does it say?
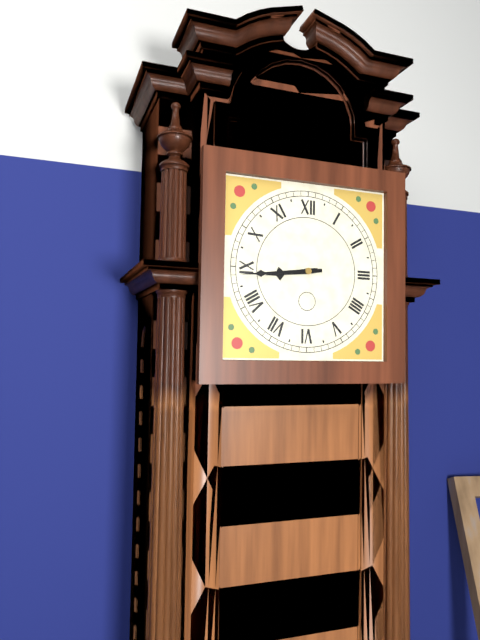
8:44
